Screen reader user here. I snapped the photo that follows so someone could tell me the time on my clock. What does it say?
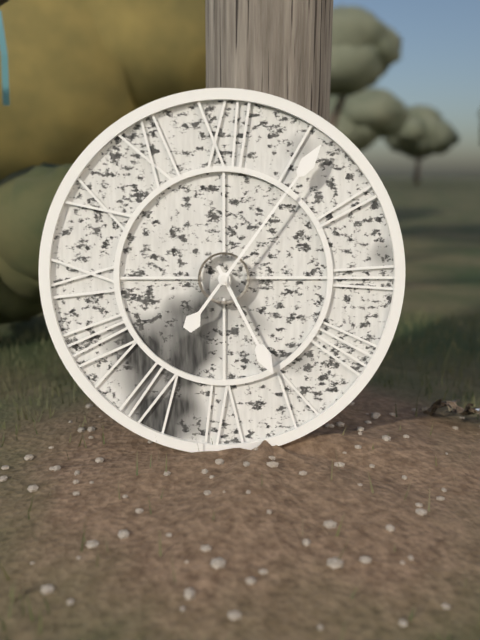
5:06
